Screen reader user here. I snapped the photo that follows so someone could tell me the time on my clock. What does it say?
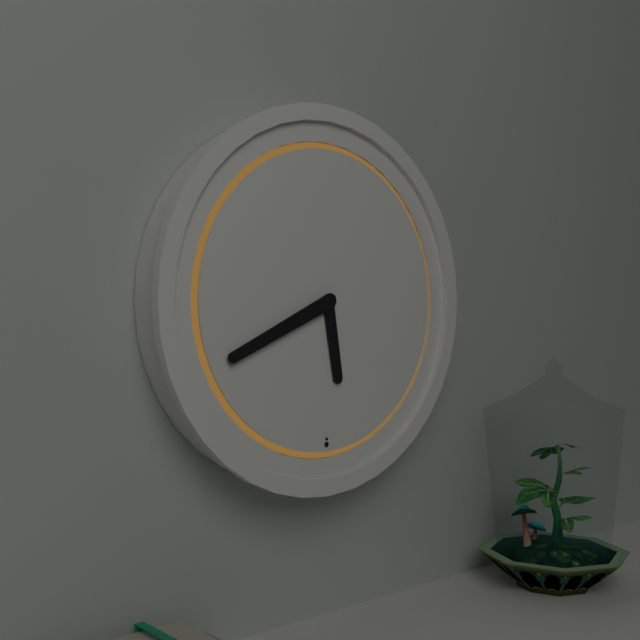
5:41
